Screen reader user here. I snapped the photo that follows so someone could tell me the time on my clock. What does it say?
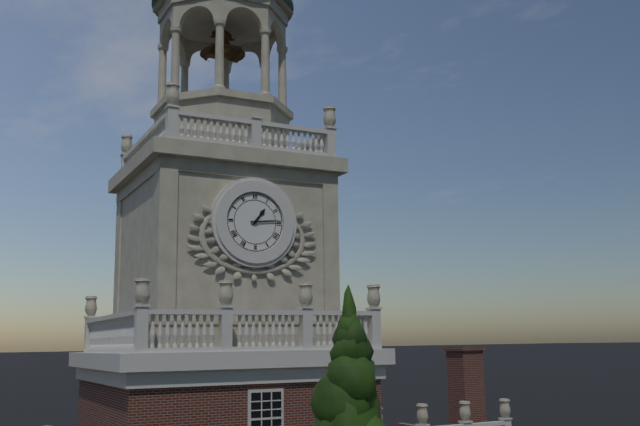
1:14
